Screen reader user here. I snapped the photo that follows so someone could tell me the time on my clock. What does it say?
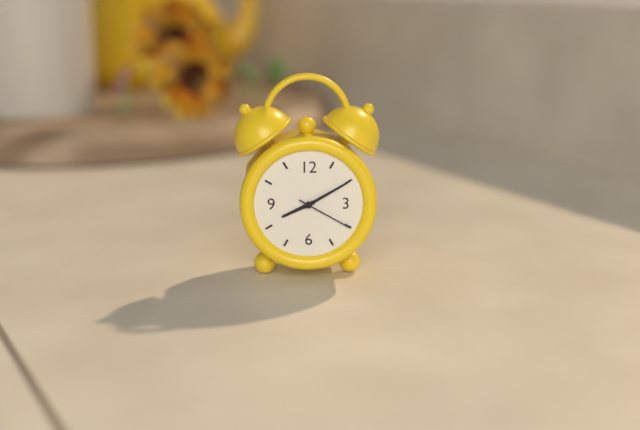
8:10:20
